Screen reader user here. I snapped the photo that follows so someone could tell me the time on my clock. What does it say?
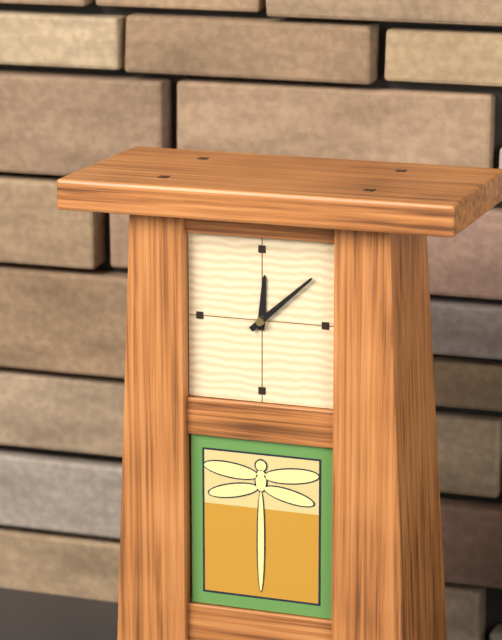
12:08
